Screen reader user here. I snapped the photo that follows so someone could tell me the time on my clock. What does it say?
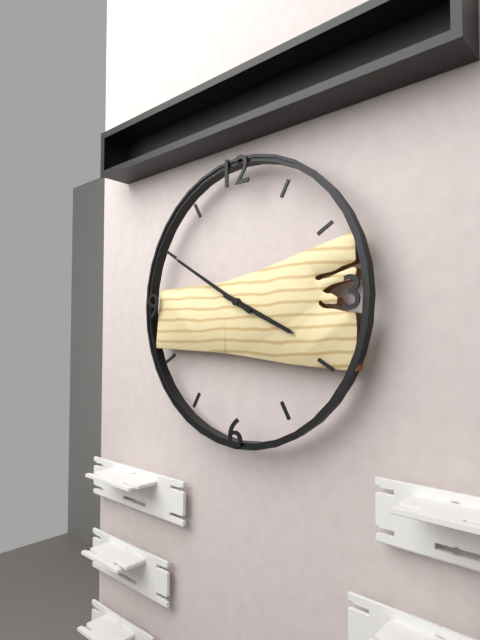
3:50
